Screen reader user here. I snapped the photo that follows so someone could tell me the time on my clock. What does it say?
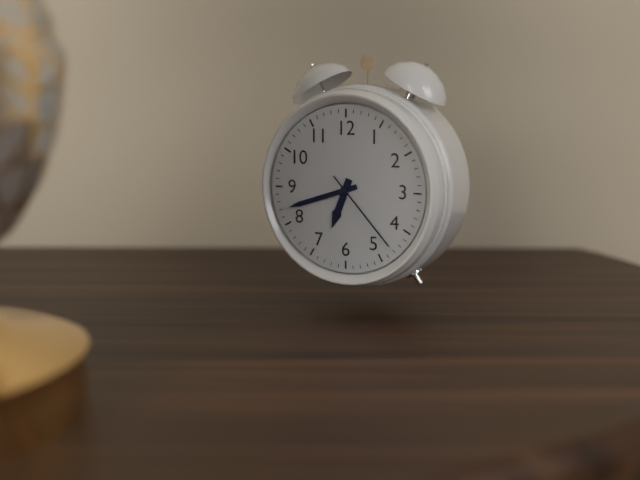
6:42:23
